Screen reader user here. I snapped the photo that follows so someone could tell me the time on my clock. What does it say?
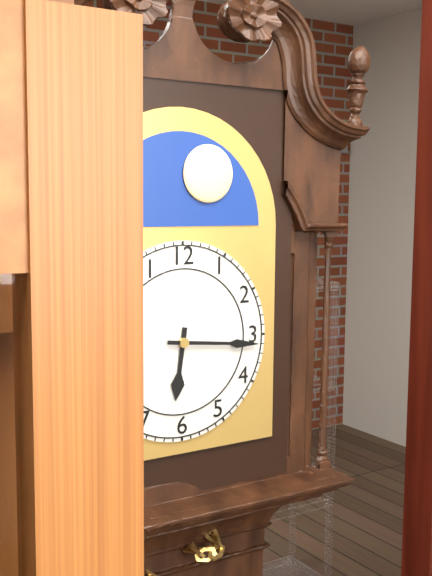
6:16
